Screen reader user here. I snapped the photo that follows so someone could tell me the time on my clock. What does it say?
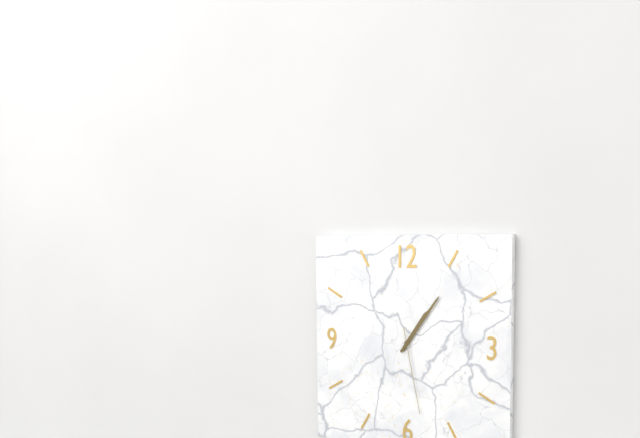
1:06:28
